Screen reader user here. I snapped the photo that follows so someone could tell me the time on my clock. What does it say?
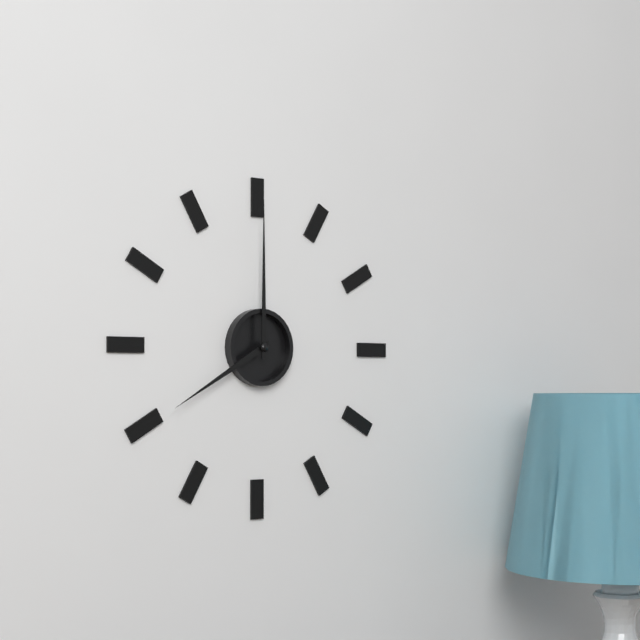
8:00
